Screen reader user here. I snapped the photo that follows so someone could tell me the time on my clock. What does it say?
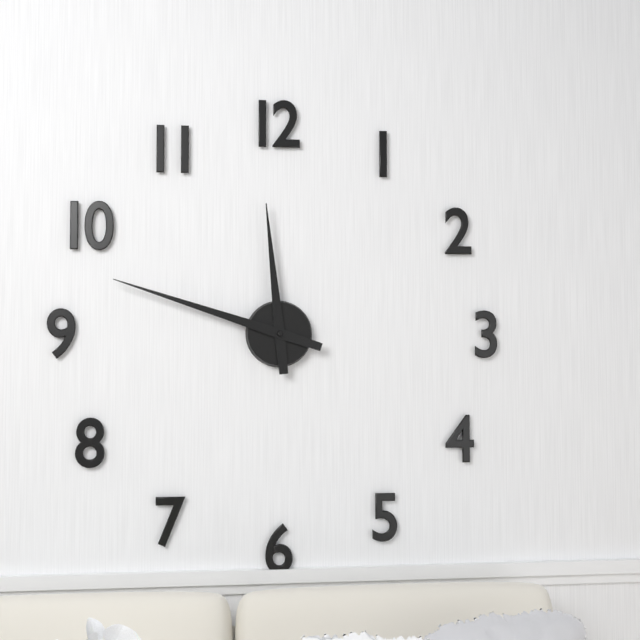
11:48
